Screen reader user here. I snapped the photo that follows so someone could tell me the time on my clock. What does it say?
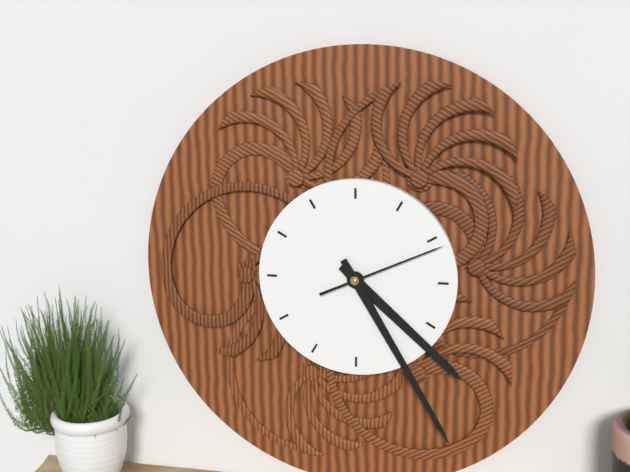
4:25:11
